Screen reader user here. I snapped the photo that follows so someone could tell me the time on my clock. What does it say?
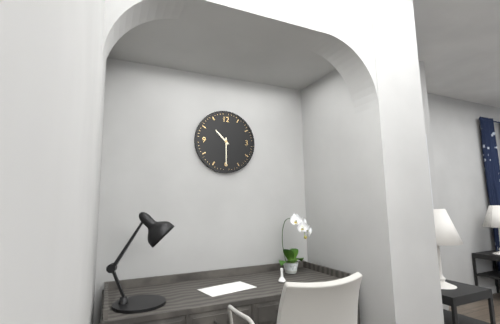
10:30
